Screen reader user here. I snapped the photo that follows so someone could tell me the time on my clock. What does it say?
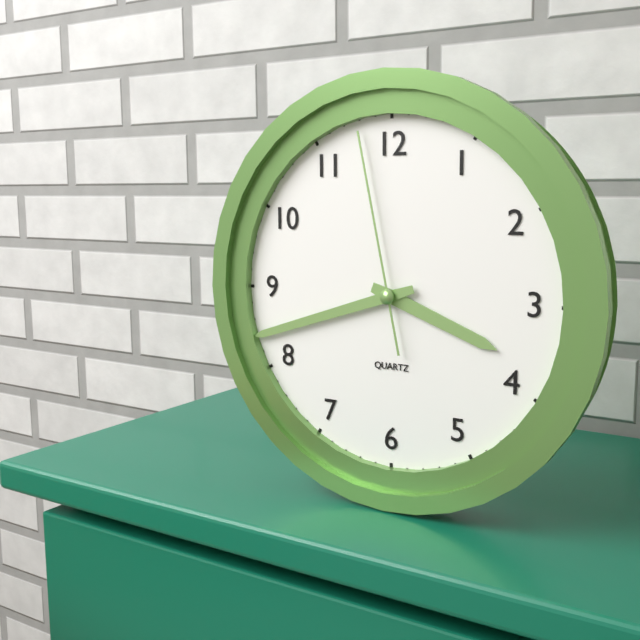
3:42:58
